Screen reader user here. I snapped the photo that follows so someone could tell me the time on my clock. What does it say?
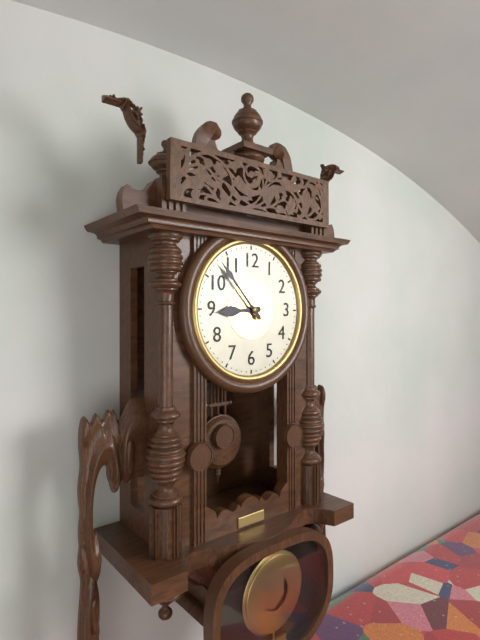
8:53
